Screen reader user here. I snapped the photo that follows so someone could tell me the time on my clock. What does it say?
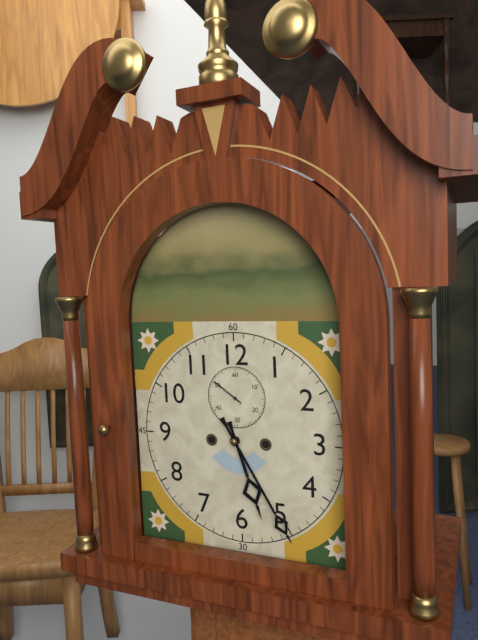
5:25
